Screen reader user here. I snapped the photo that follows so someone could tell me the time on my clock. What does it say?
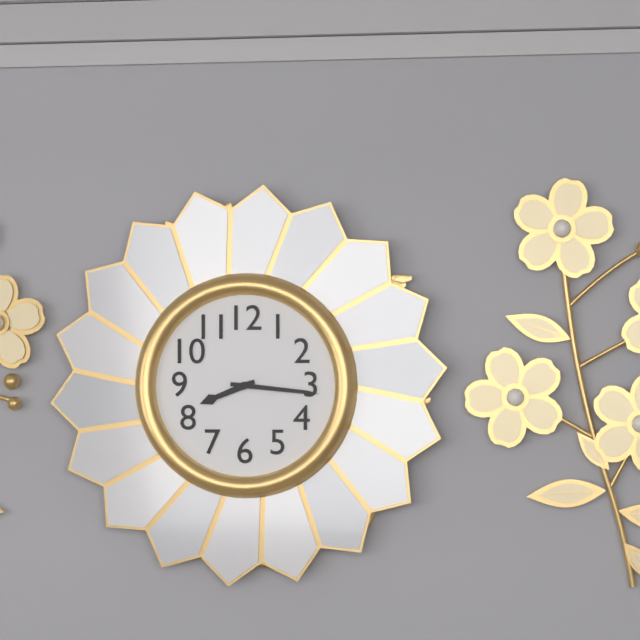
8:16
